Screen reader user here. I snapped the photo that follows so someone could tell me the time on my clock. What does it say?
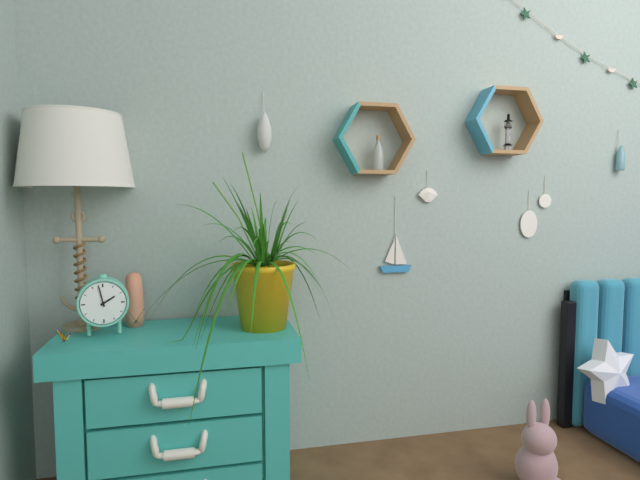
1:58
